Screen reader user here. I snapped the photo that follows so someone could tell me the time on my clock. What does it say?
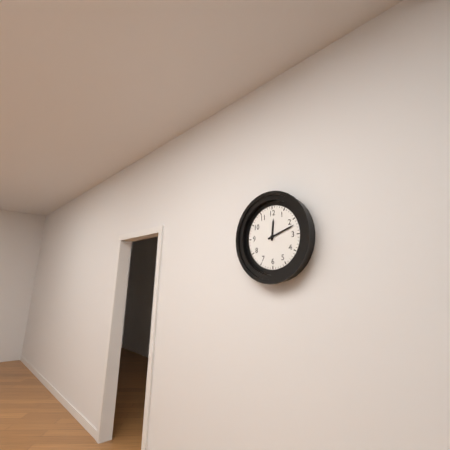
12:12
